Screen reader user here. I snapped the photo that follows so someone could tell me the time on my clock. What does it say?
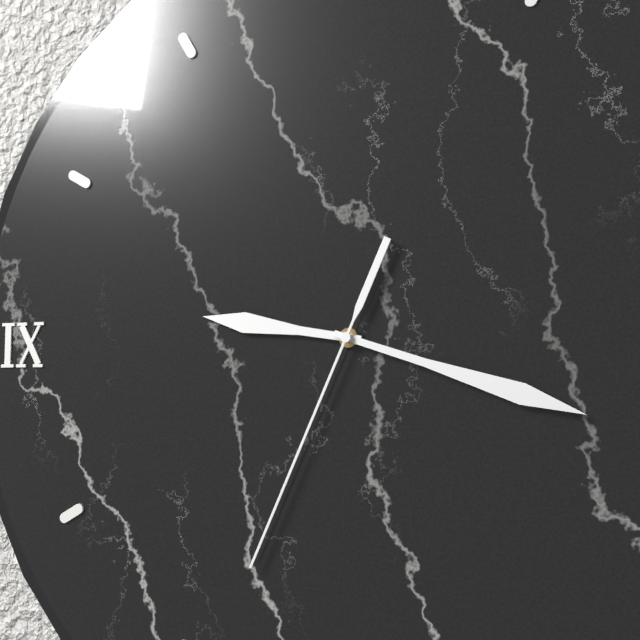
9:18:34
